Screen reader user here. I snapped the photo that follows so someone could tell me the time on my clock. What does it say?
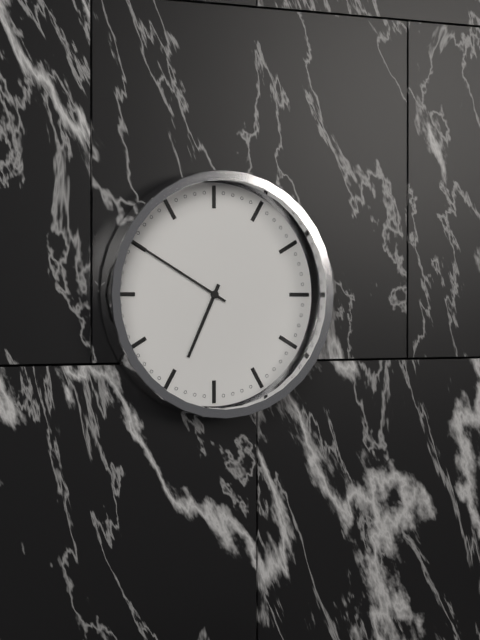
6:50
